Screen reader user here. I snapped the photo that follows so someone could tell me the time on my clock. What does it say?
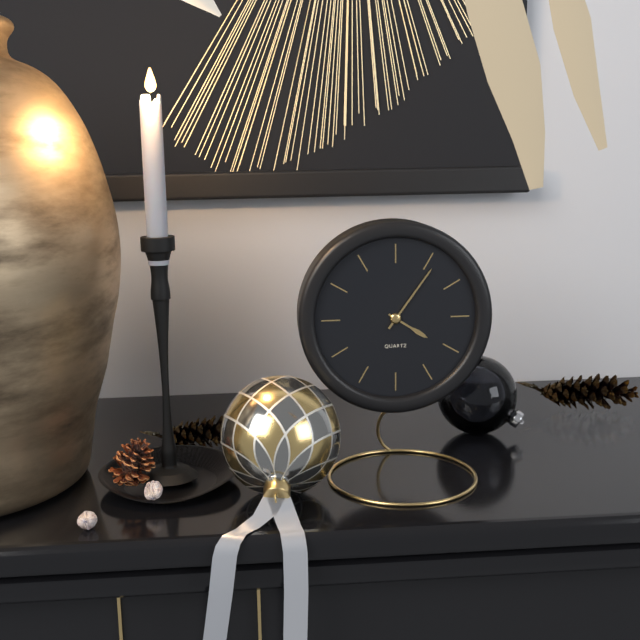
4:06
